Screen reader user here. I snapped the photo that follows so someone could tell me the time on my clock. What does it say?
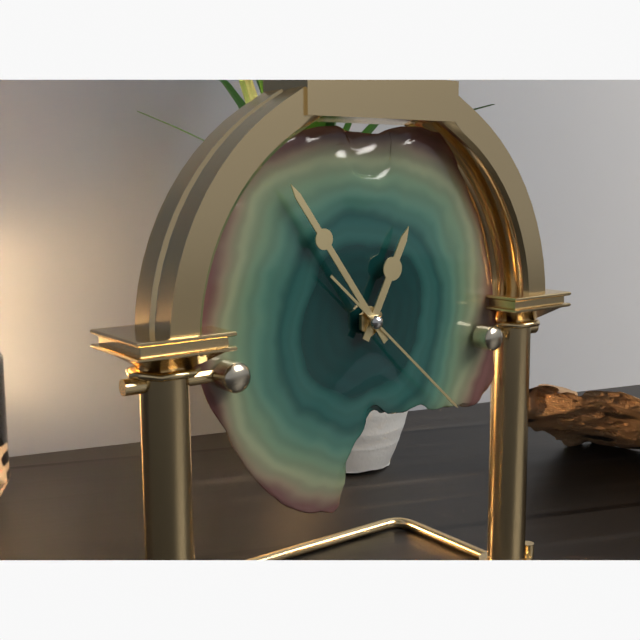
12:54:22
